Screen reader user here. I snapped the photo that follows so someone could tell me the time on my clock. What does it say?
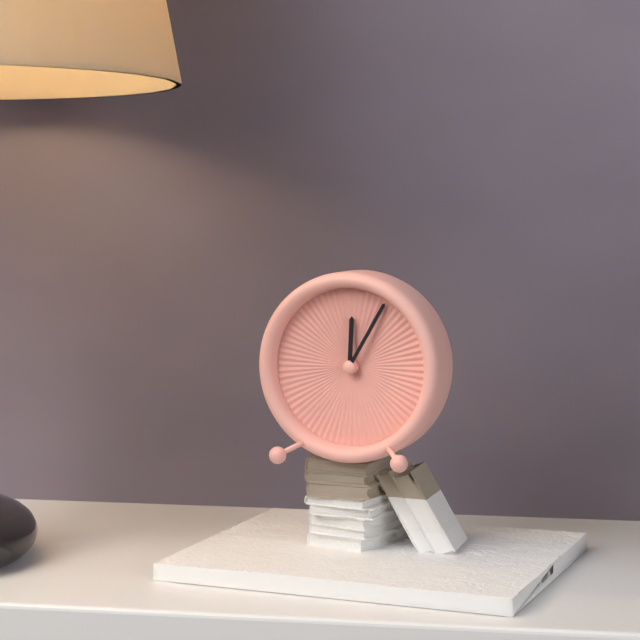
12:05
